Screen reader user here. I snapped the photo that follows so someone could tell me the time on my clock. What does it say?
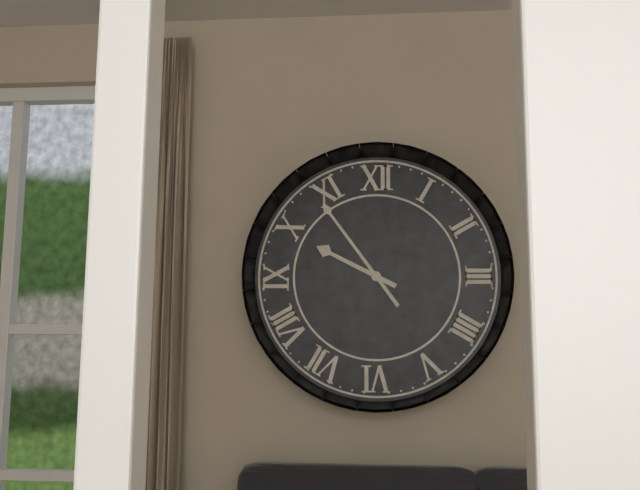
9:54
